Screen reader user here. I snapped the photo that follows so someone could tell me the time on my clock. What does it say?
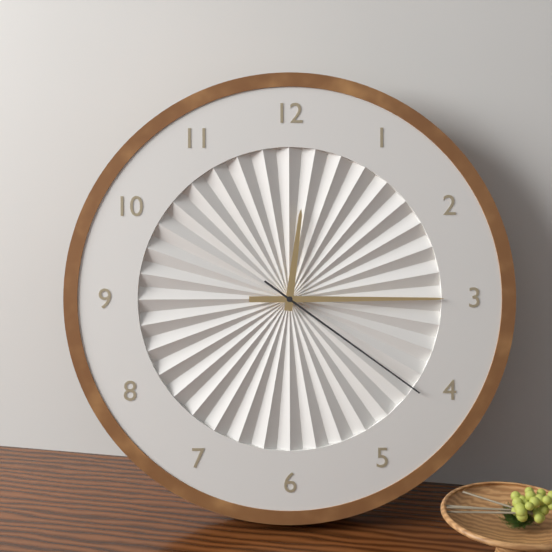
12:15:21
